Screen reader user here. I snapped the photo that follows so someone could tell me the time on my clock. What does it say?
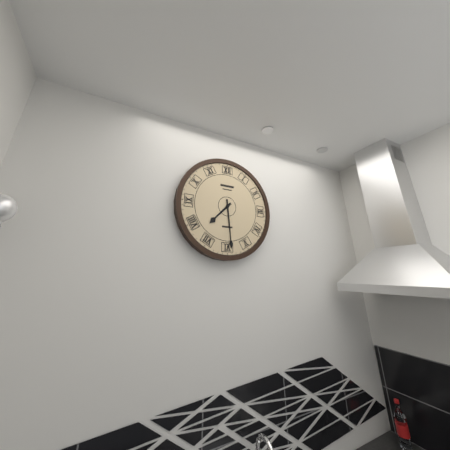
7:29
